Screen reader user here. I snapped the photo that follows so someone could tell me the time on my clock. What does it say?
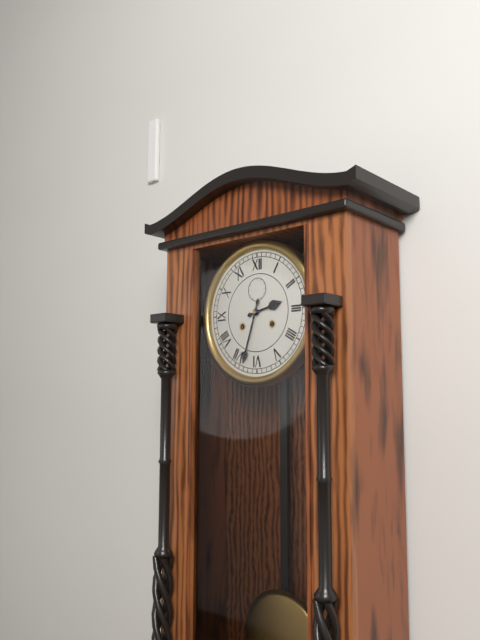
2:33
